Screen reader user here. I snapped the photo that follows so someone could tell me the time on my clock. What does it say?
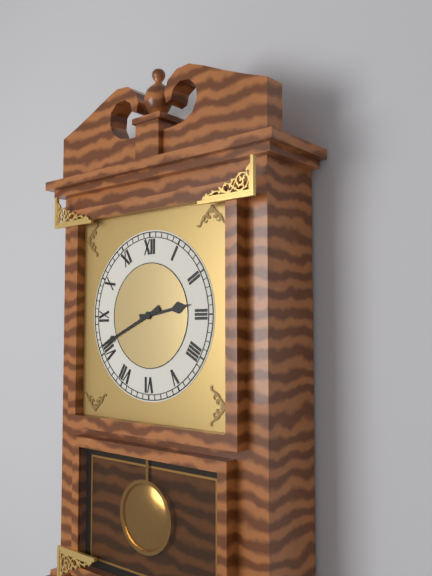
2:41
